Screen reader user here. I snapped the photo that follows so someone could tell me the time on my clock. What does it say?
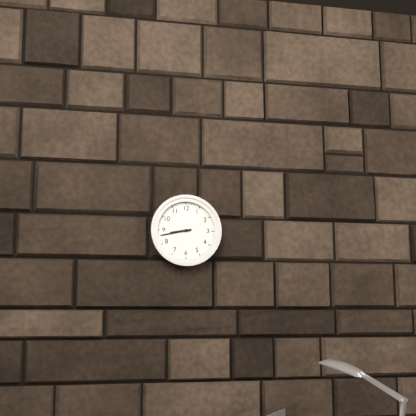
8:43
